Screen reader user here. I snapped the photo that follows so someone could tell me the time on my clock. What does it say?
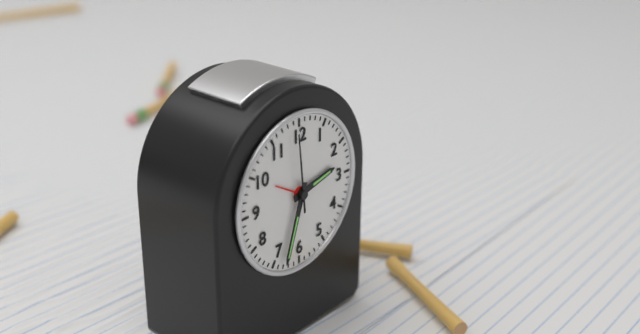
2:33:59
